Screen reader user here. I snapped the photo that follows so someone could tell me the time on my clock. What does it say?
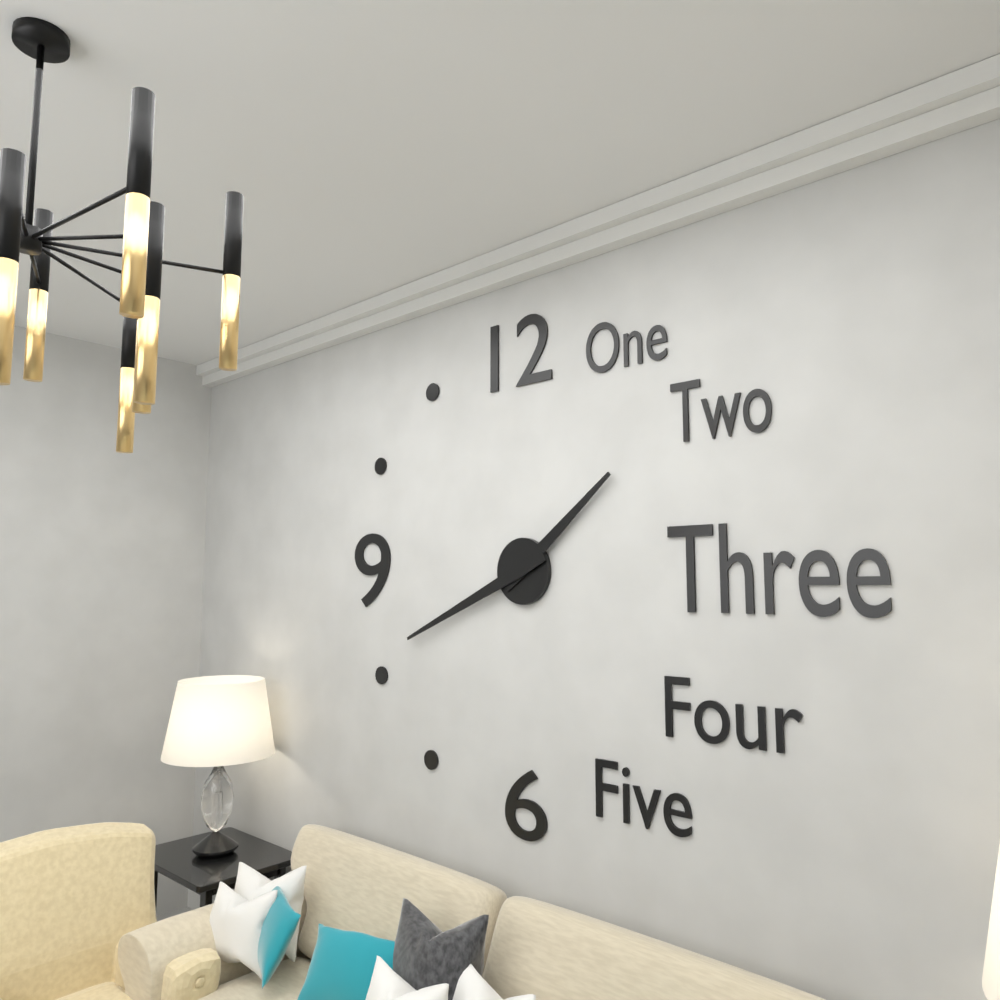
1:41
